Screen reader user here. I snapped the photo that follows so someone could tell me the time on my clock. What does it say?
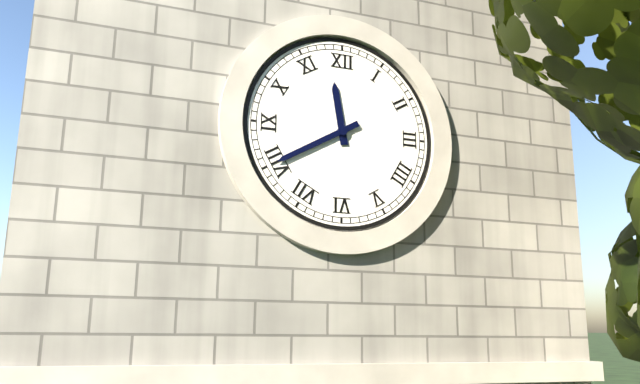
11:40
